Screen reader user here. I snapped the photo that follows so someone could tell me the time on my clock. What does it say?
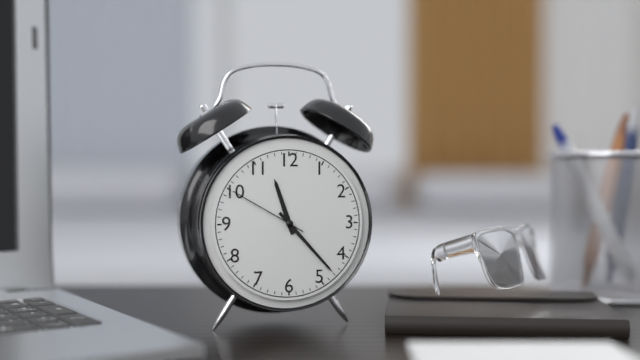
11:23:50
